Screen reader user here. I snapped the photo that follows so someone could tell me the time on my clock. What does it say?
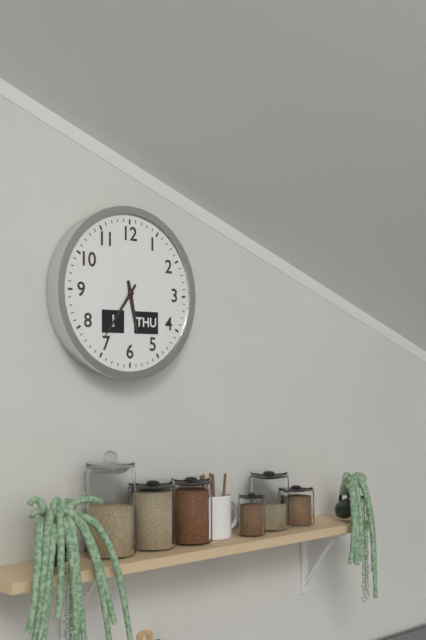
5:36
